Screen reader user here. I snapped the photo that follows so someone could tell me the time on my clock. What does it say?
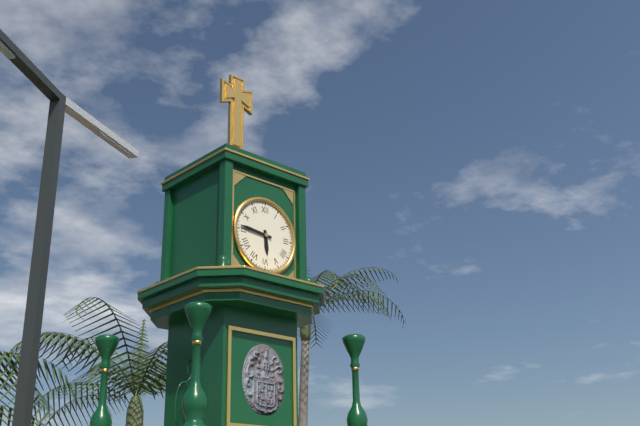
5:46
